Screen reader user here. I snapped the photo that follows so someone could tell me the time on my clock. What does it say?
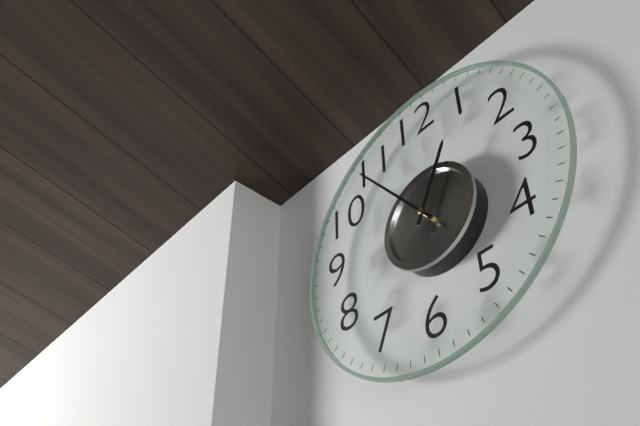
12:54
